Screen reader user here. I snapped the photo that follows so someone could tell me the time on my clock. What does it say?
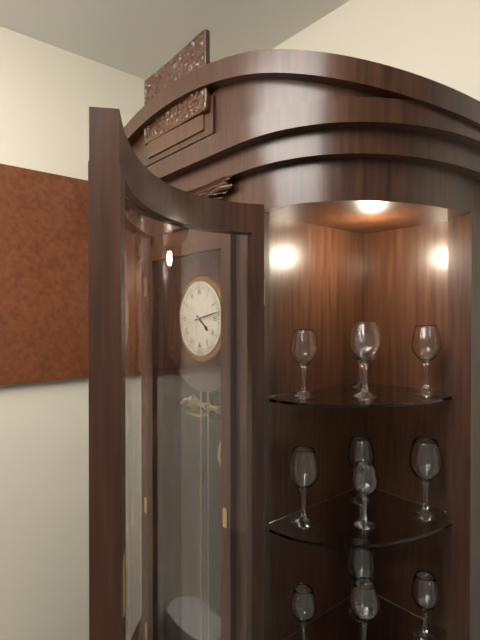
4:13
